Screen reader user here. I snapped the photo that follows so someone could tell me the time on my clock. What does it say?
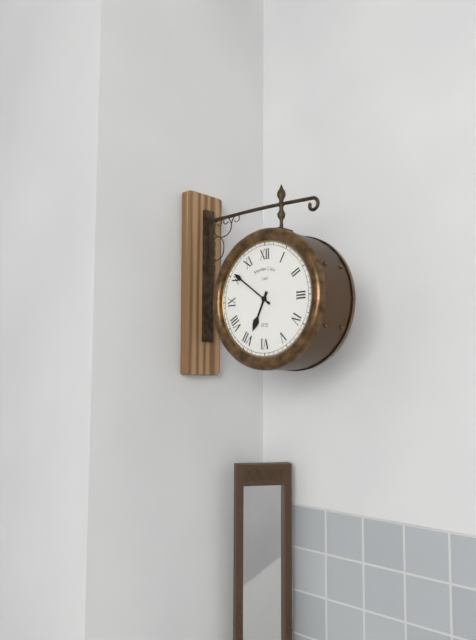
6:51
